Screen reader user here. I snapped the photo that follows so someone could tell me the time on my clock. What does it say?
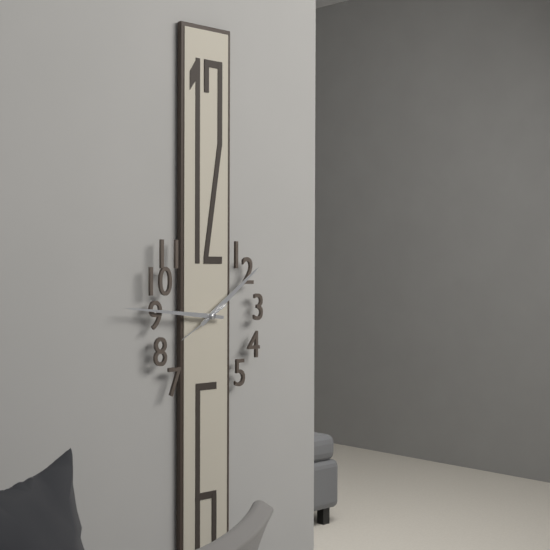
1:46
